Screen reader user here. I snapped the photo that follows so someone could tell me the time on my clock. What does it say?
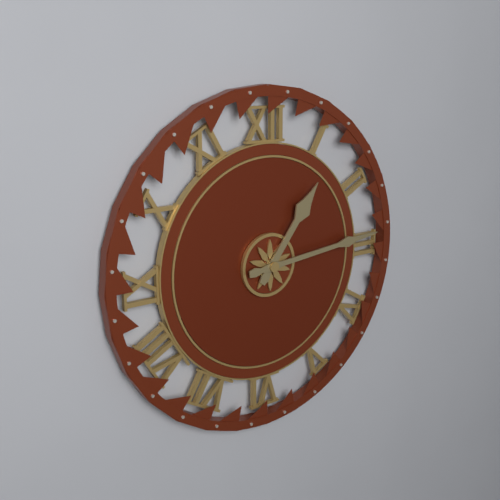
1:14
